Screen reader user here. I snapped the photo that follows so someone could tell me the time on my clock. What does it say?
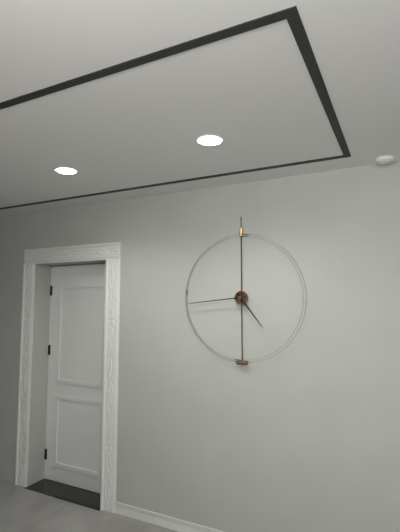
4:44
